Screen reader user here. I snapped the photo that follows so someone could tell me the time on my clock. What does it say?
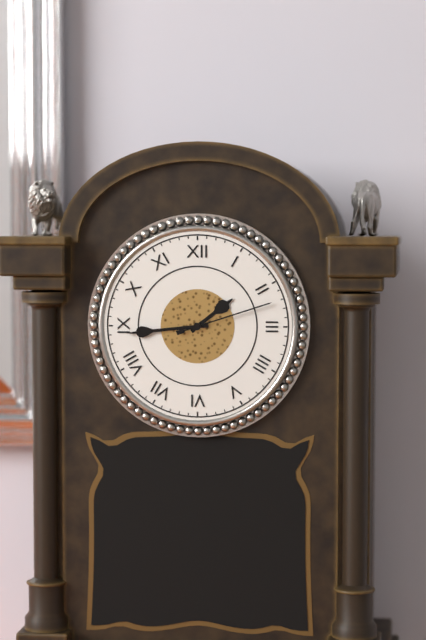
1:44:12
